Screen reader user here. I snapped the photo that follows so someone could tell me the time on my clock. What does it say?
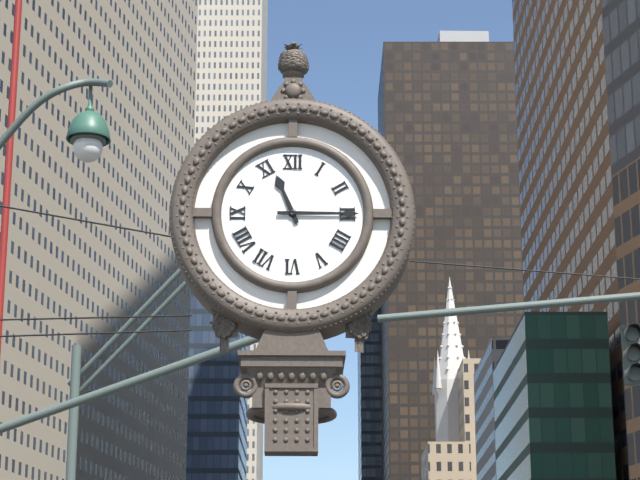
11:15
